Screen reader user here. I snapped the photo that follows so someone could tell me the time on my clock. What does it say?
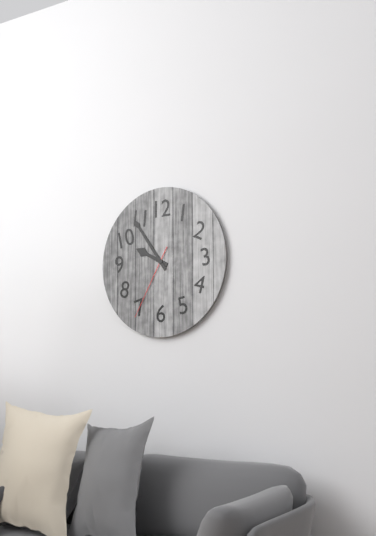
9:54:35
